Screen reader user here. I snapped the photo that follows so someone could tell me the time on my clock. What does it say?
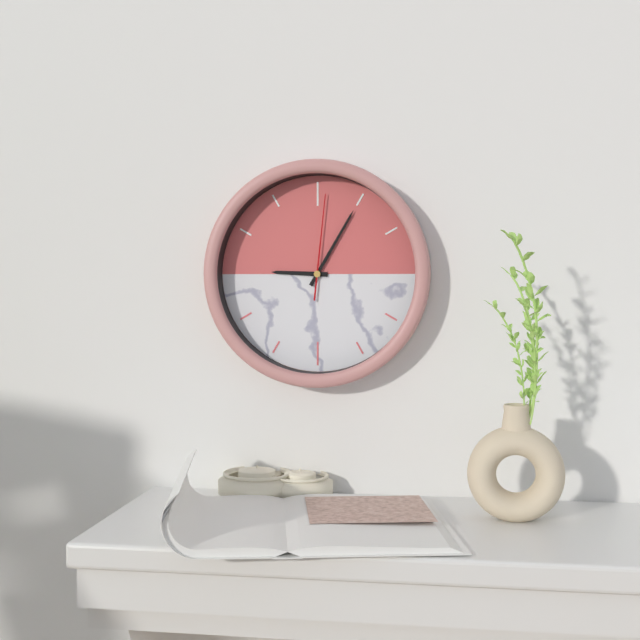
9:05:01
